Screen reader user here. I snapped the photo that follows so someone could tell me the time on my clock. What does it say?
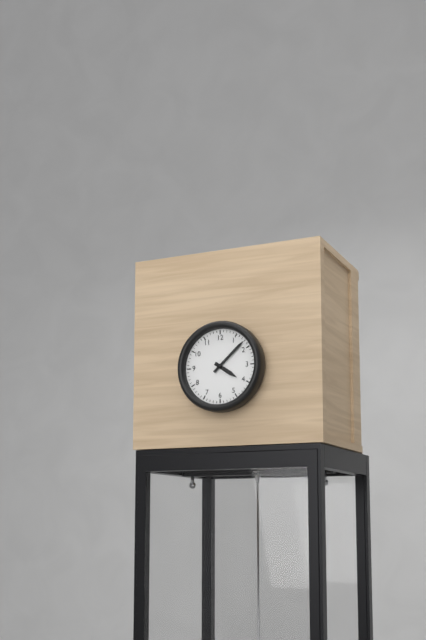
4:08
